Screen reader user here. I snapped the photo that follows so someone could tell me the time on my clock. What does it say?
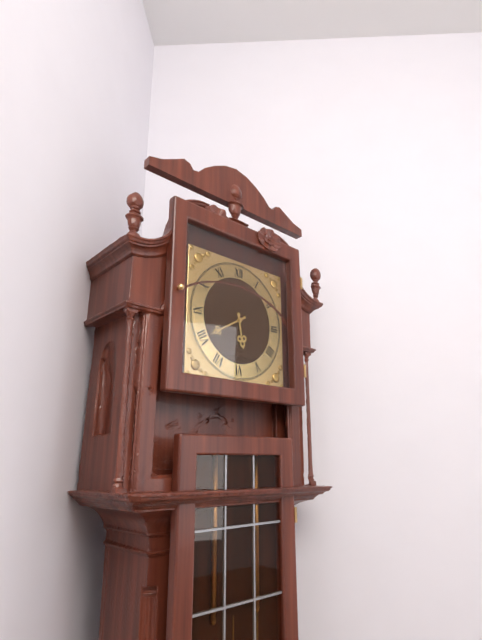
5:40
